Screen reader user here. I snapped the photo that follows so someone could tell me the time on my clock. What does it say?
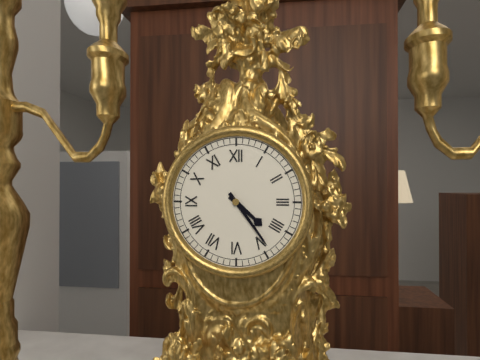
4:24
